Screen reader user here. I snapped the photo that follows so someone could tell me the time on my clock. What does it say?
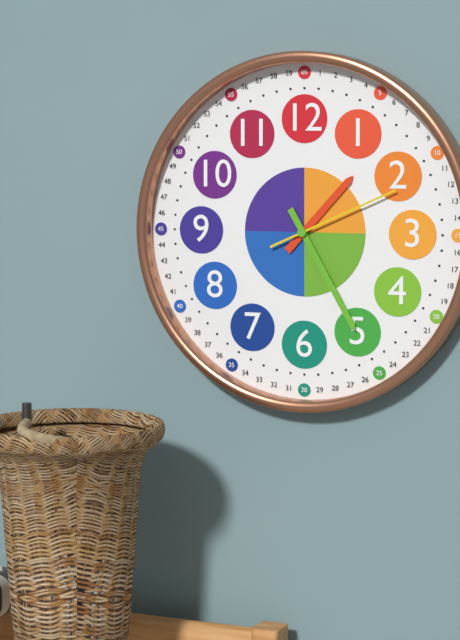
1:25:11
